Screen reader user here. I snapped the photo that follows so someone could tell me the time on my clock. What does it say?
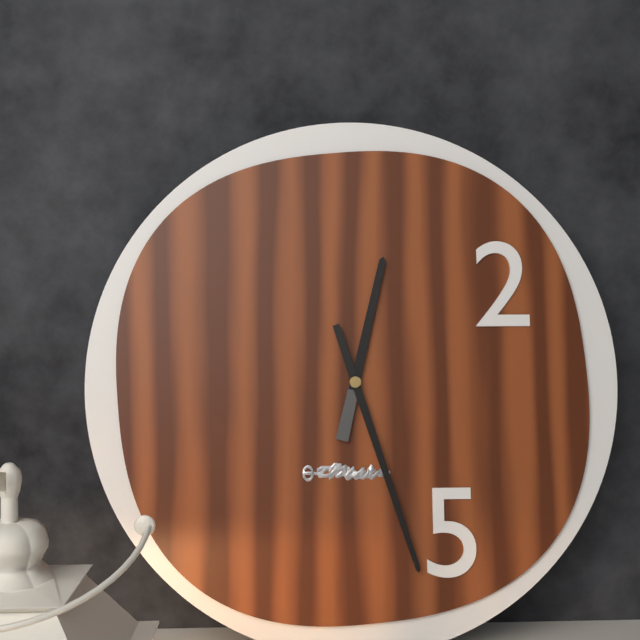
12:27
